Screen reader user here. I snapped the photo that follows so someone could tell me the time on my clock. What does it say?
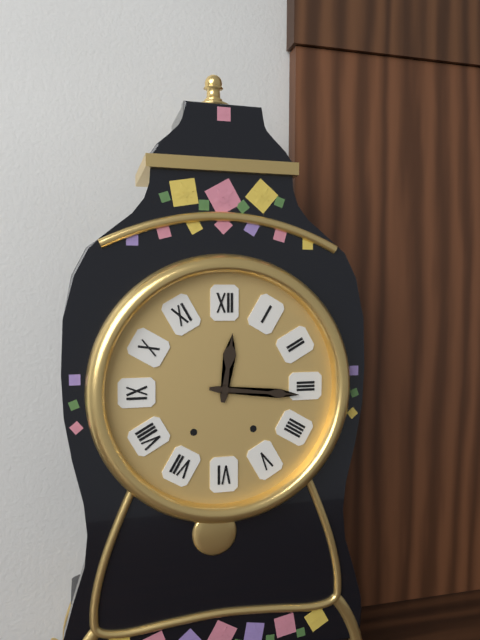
12:16
